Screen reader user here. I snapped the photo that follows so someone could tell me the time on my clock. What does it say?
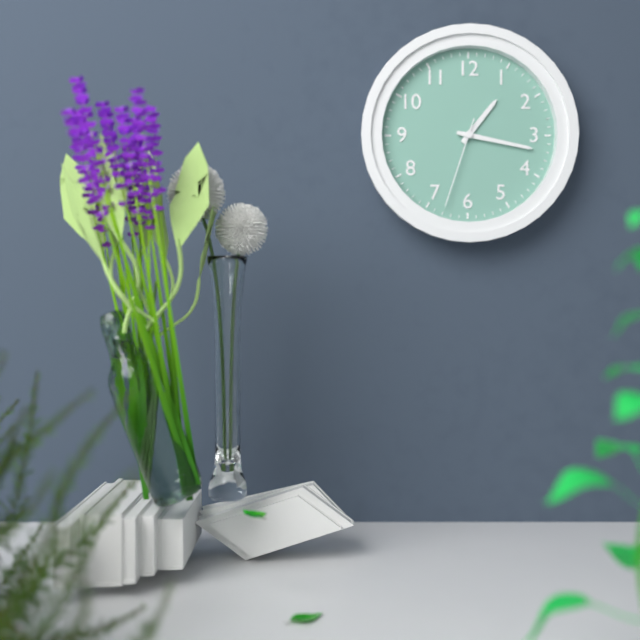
1:17:33
